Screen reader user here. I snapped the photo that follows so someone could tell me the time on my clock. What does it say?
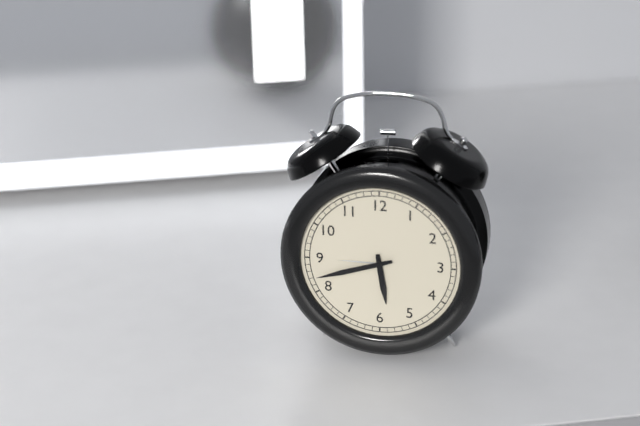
5:42
